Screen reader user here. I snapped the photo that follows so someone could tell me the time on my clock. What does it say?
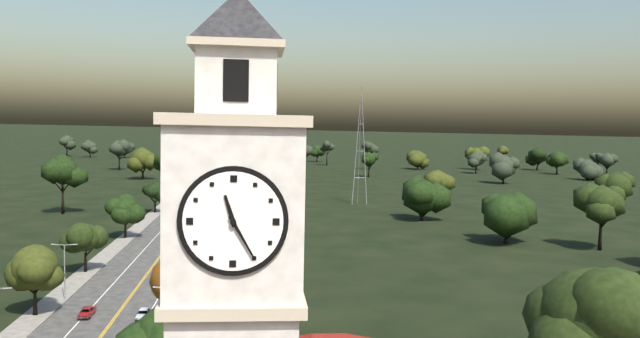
11:25
